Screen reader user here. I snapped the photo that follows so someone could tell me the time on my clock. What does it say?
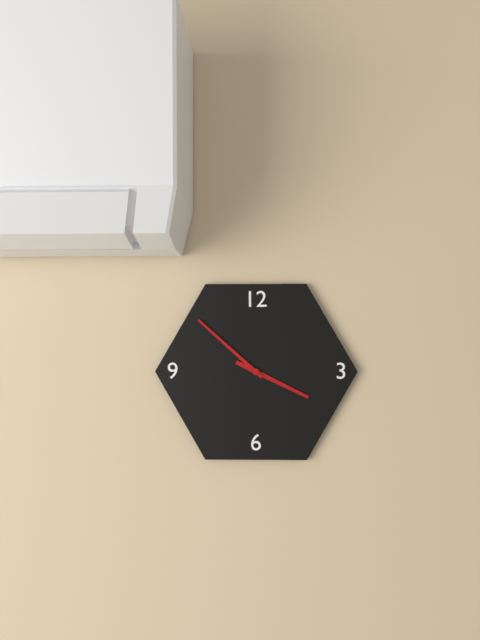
3:52
